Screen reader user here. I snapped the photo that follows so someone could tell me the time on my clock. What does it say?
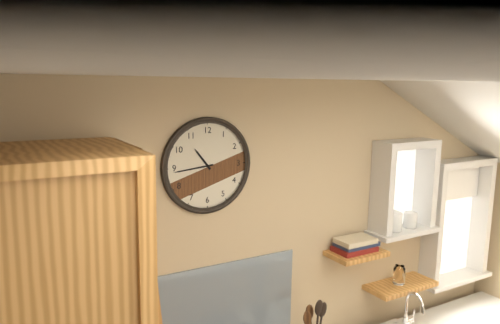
10:44
